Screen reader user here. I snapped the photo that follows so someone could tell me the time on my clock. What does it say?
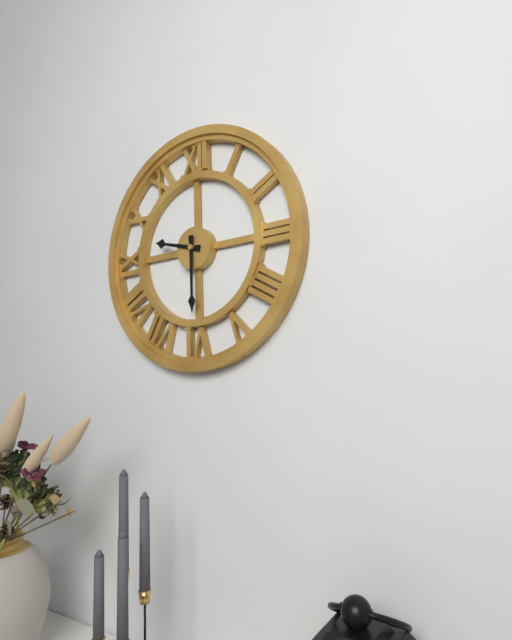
9:30
